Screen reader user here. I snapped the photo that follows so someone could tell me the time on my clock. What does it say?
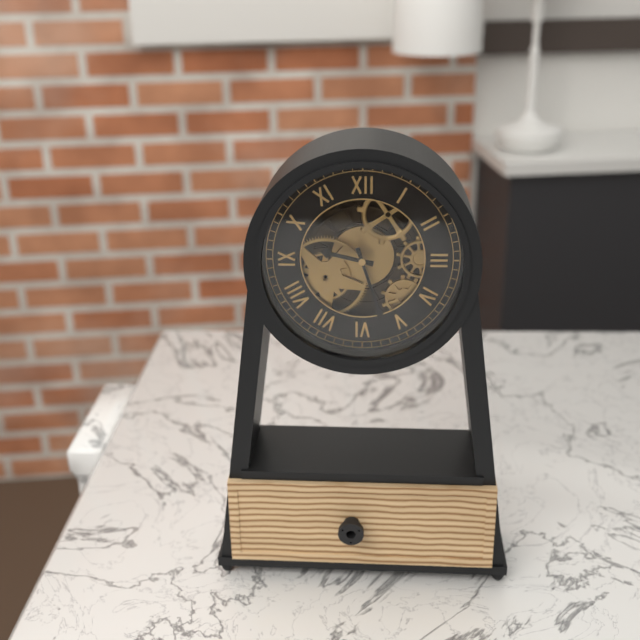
9:27
